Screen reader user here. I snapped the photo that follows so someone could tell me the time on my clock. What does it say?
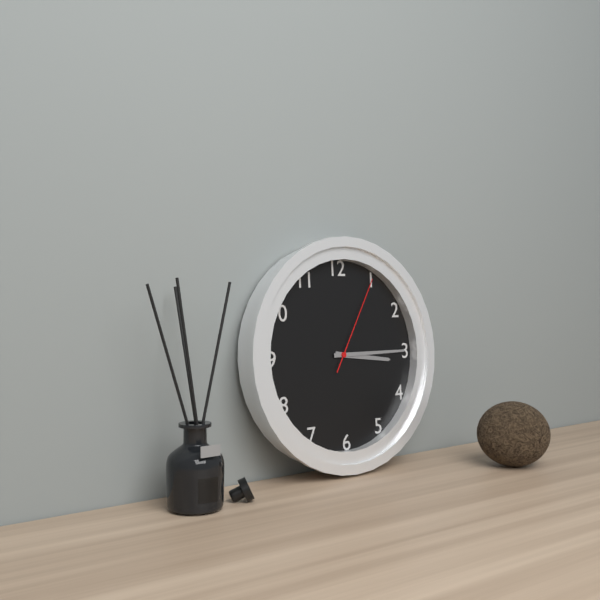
3:15:05
